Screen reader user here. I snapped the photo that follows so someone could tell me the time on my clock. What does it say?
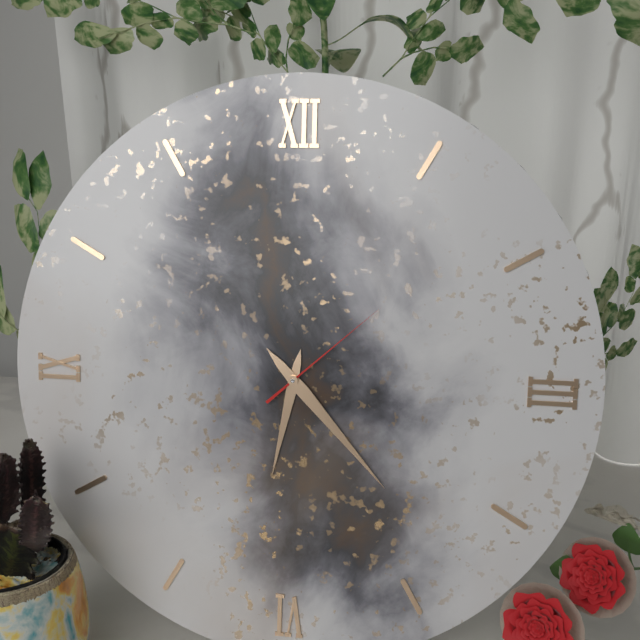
6:23:08
